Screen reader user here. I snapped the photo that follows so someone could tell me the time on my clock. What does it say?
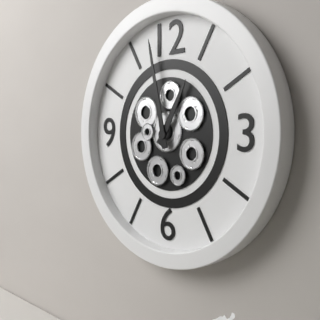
12:58
